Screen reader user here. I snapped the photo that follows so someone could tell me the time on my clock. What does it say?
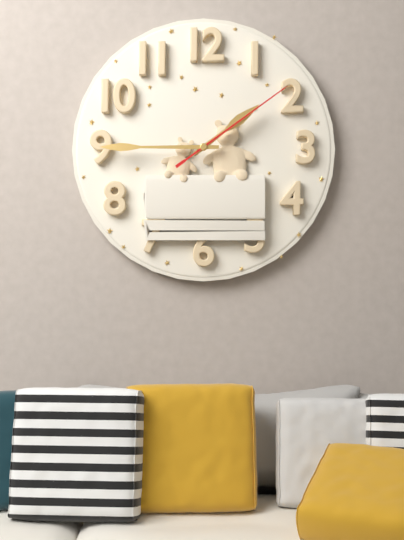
1:45:09
